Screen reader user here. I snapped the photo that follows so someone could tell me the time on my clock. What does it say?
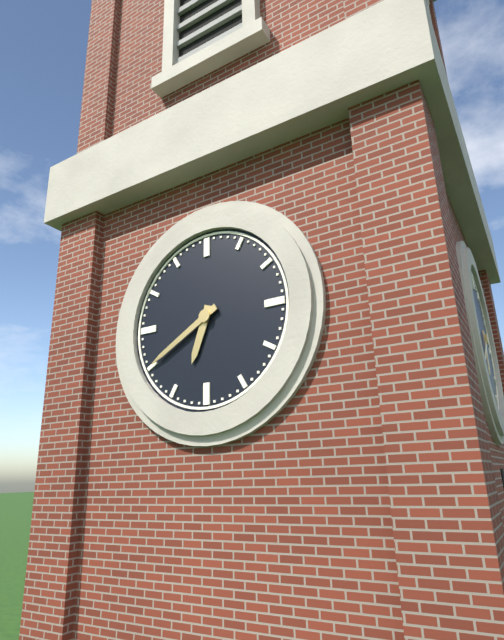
6:40
